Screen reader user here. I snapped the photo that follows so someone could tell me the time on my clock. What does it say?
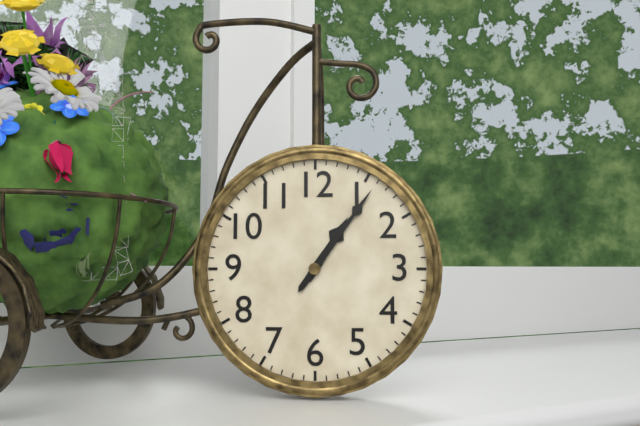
1:06
